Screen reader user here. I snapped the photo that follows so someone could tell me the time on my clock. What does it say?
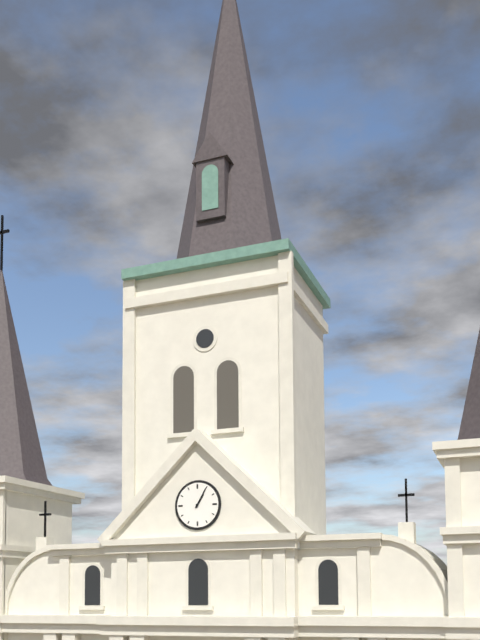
1:05
